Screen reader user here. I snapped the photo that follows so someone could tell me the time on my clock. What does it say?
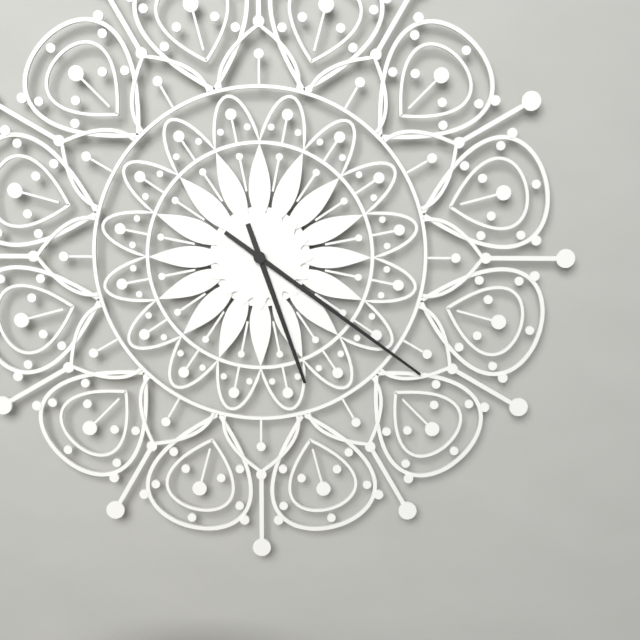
5:21
